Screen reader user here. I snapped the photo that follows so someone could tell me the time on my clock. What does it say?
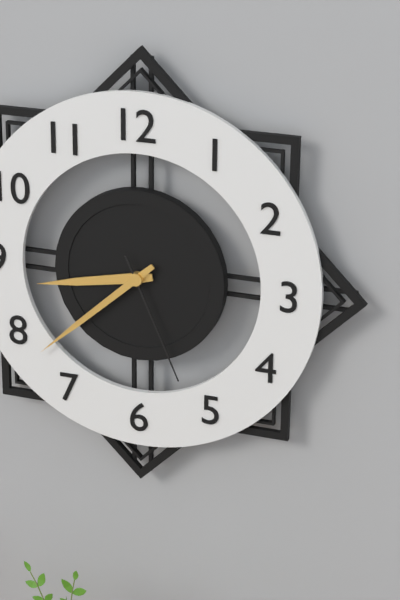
8:38:26
